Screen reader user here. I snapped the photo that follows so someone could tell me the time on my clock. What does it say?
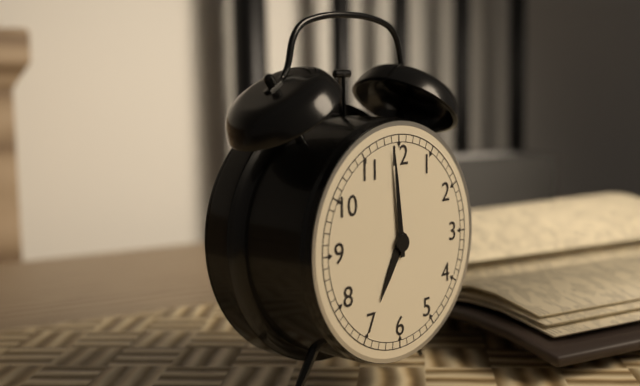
6:59
